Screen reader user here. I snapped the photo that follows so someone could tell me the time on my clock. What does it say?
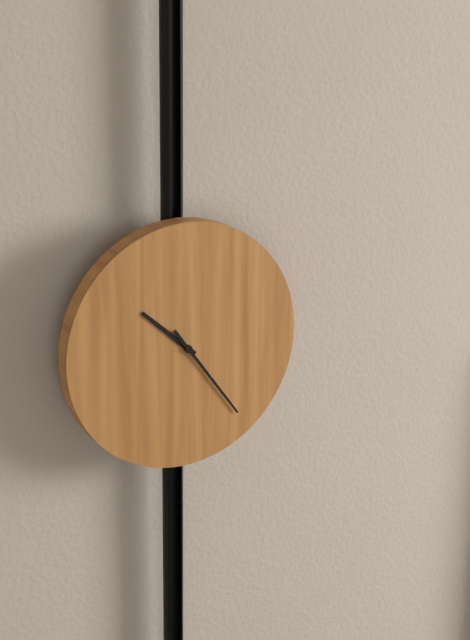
10:24
